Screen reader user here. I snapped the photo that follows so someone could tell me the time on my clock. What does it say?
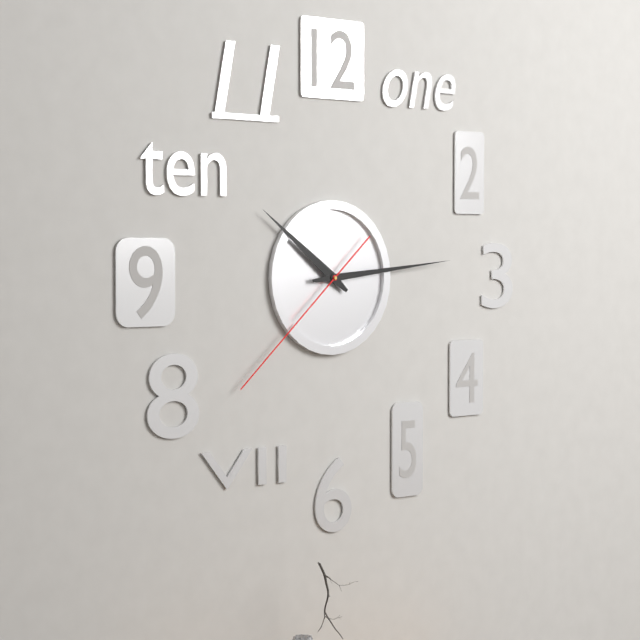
10:14:38
